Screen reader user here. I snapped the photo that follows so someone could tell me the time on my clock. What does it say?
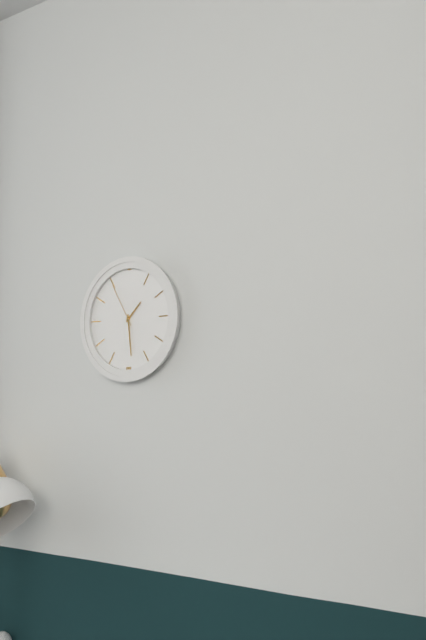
1:29
